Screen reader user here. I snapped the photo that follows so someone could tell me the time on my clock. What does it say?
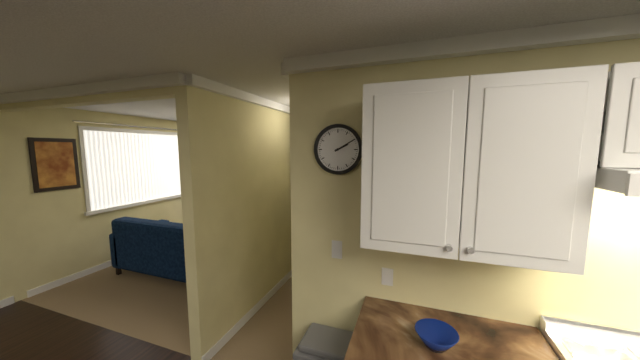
2:10
